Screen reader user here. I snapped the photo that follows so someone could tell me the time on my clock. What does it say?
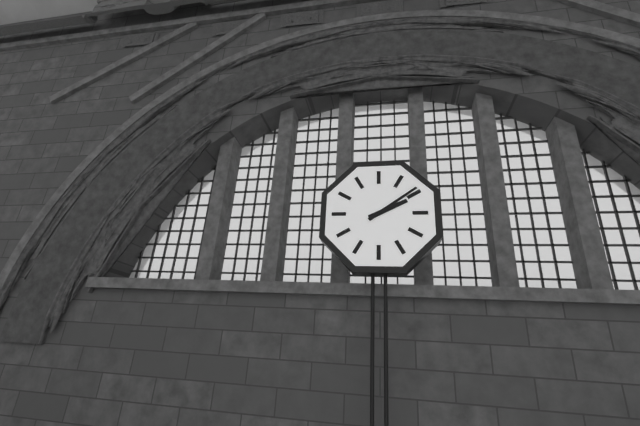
2:09
